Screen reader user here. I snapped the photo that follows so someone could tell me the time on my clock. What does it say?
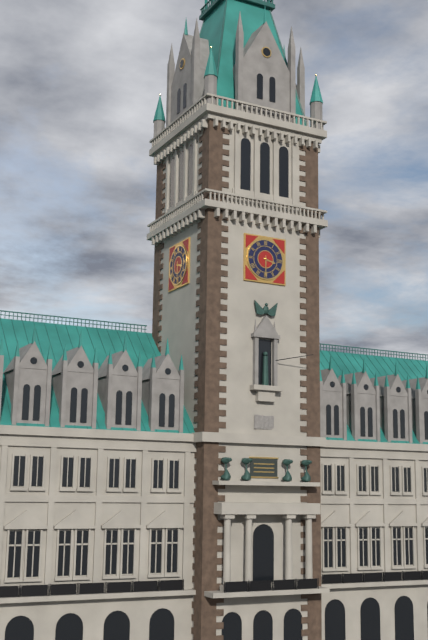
3:30
